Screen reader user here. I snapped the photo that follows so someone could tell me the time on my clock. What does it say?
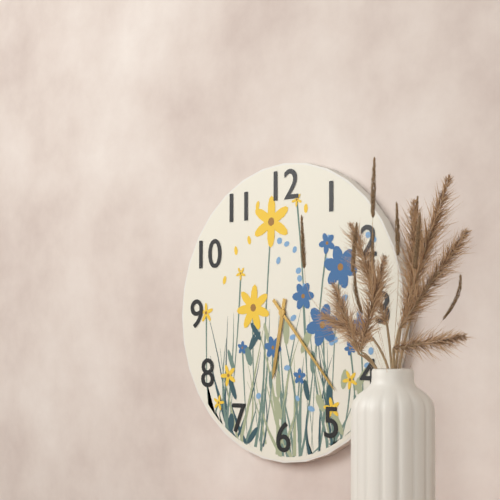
6:23
